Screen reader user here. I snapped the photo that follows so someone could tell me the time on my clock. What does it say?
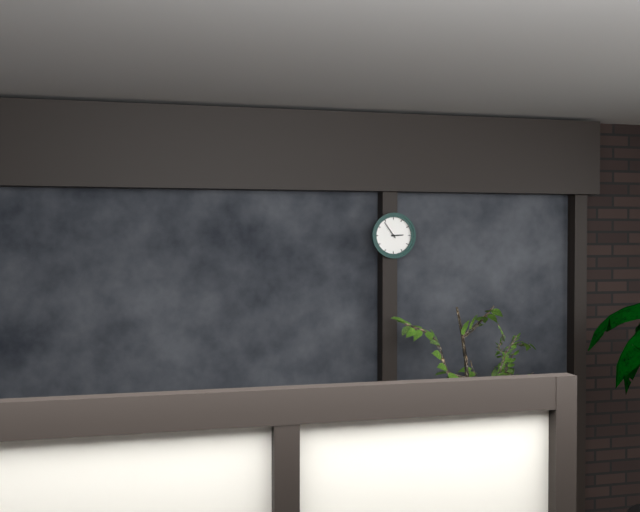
2:54
